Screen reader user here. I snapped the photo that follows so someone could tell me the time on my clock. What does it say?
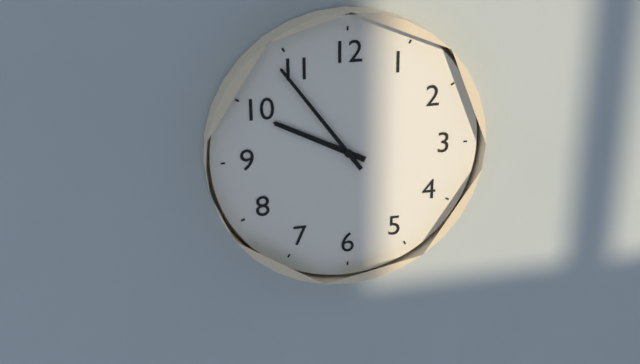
9:54
